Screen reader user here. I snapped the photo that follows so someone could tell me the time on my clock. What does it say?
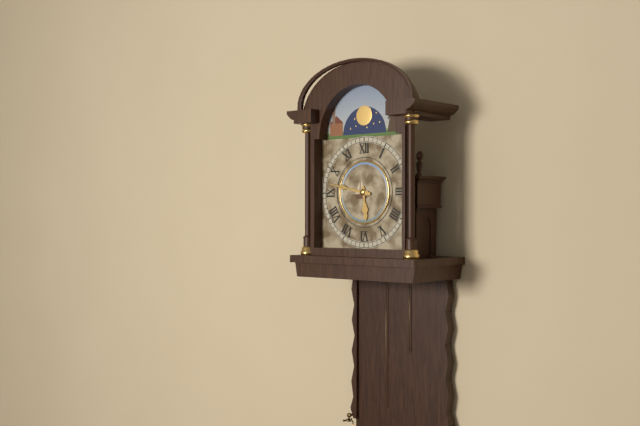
5:47
